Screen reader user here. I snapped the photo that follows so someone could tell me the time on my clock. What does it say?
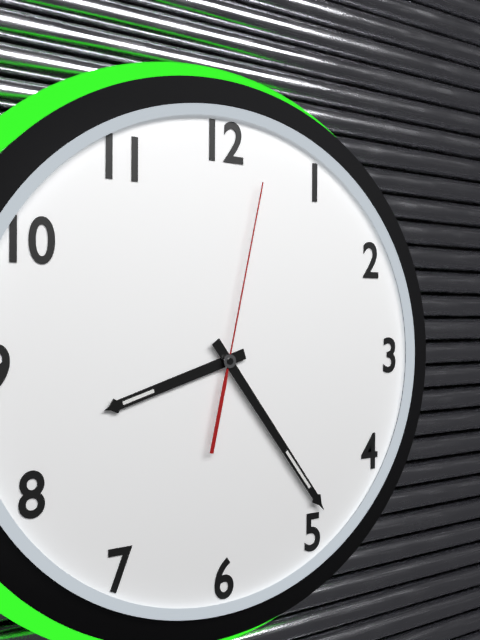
8:24:02
